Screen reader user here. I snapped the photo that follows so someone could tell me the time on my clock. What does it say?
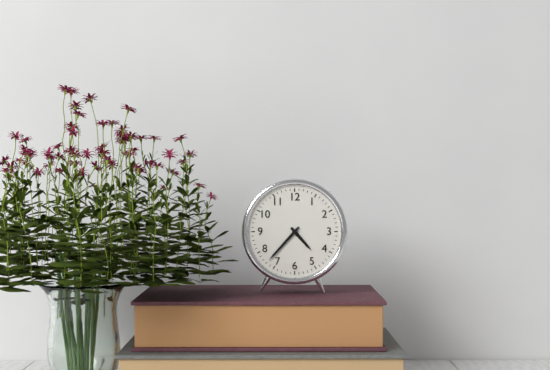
4:37
